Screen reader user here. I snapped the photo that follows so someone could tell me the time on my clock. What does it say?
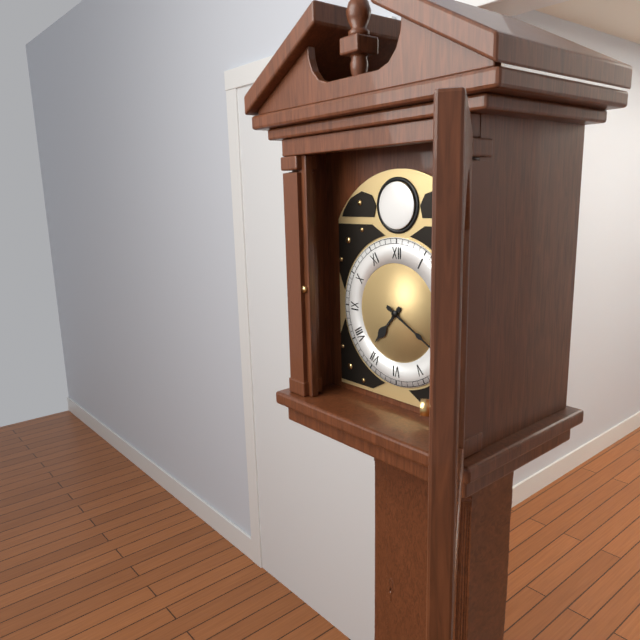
7:20
